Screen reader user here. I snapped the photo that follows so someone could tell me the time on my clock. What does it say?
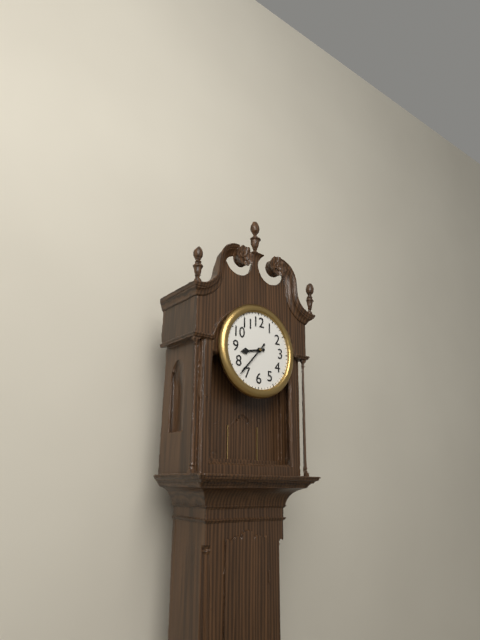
8:37
